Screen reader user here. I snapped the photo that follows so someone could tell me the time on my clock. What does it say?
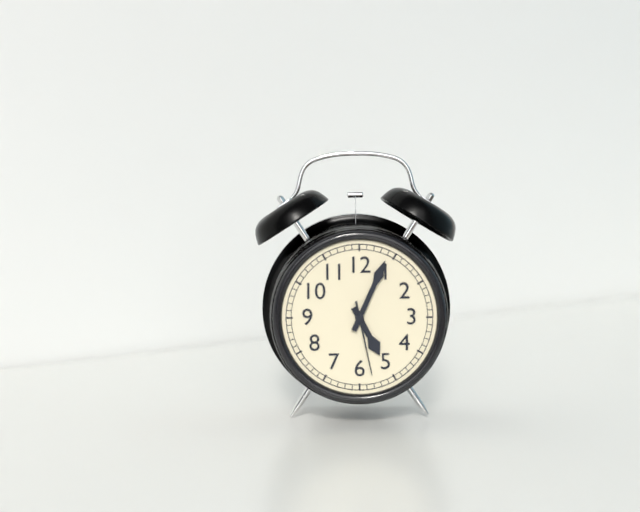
5:04:28
